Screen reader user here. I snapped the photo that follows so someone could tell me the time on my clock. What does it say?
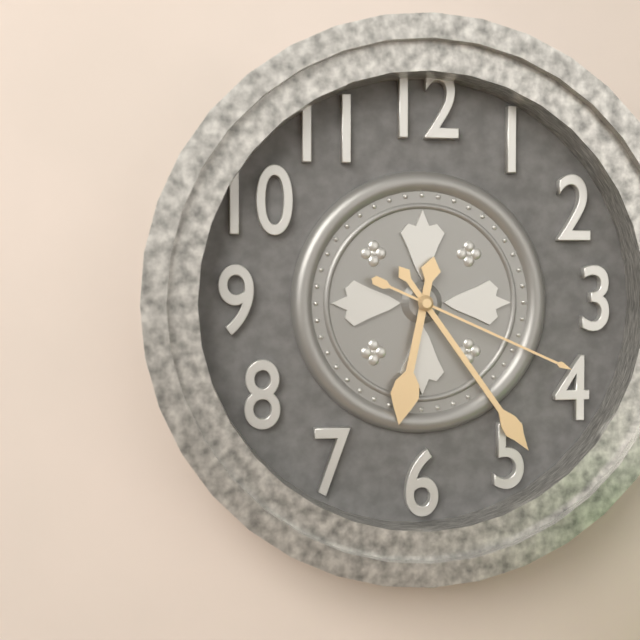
6:24:19
